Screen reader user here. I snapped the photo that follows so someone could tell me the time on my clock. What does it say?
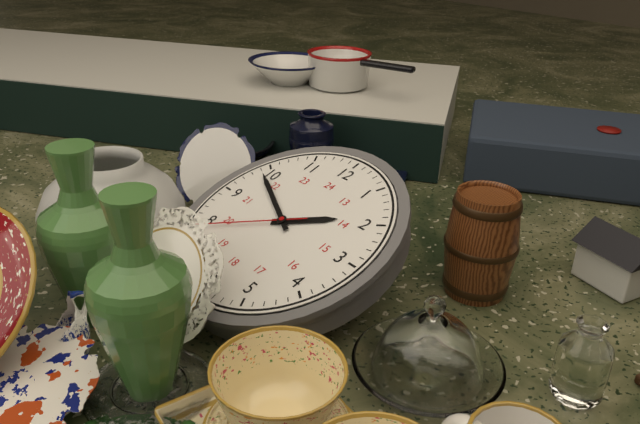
1:49:39
